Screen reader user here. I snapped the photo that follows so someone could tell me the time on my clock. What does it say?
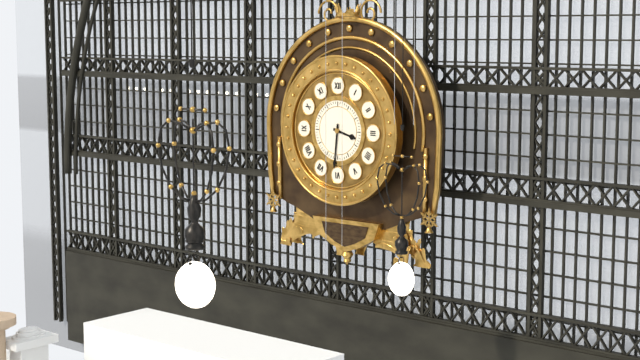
3:31
